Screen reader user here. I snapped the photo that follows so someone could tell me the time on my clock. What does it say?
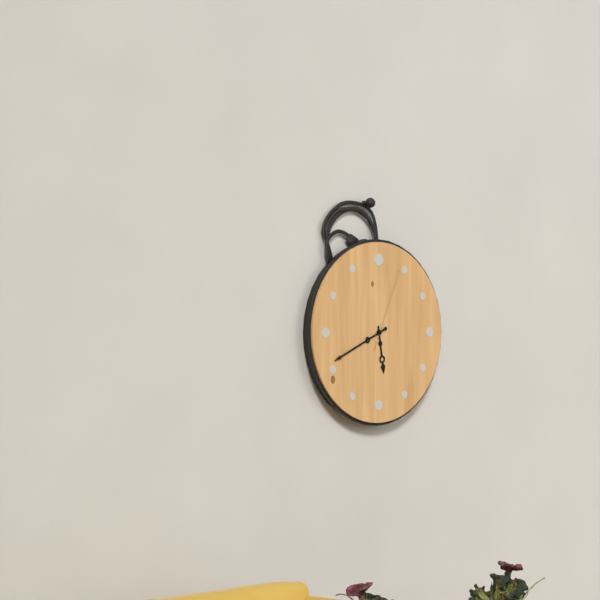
5:41:04
